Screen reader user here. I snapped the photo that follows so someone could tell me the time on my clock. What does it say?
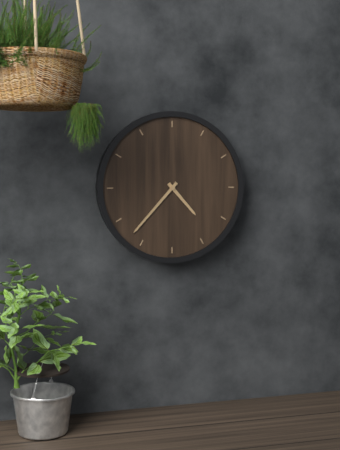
4:37
